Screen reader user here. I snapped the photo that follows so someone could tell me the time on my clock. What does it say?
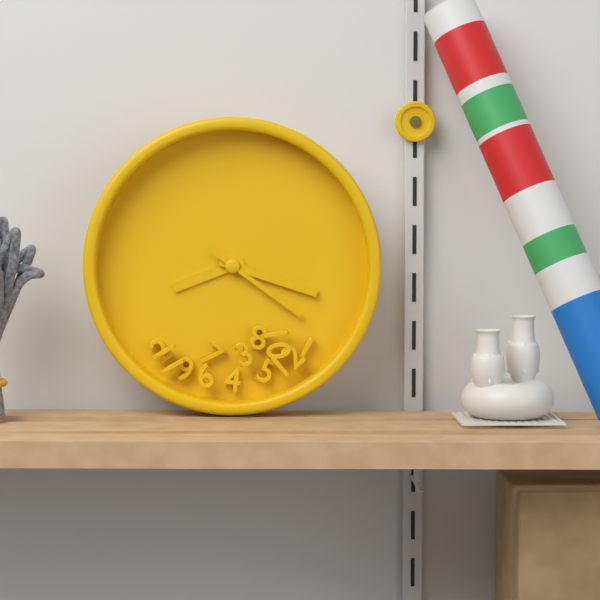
8:18:21
